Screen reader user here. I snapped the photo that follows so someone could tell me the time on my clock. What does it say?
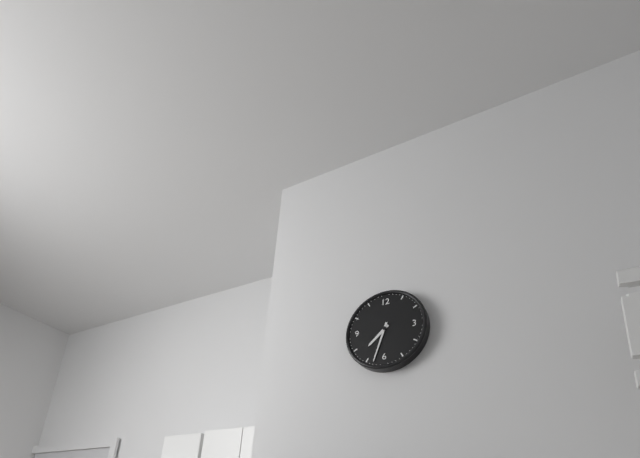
7:33
